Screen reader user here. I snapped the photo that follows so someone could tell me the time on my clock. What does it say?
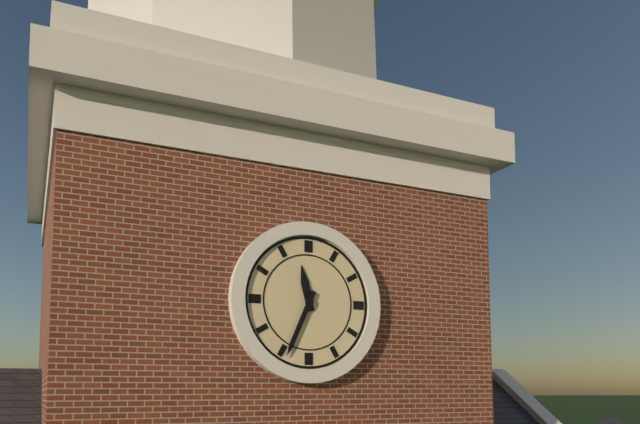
11:34
